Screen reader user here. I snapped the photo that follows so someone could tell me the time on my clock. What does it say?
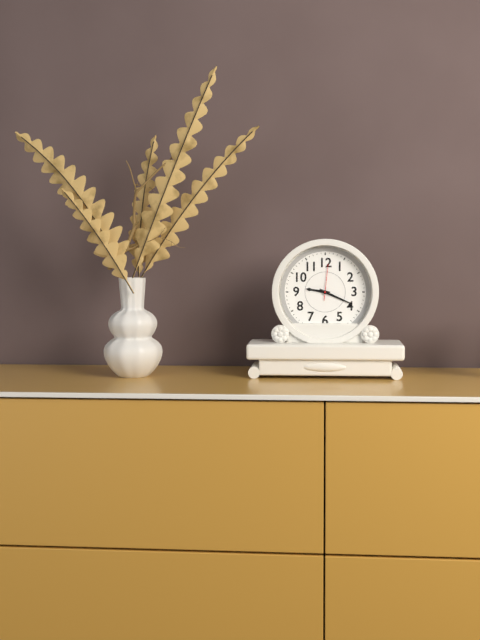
9:19
